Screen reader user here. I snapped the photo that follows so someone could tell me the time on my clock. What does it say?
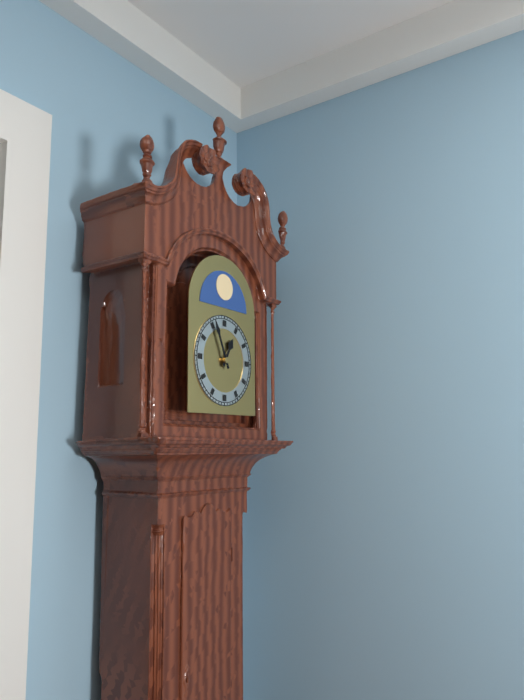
12:56
